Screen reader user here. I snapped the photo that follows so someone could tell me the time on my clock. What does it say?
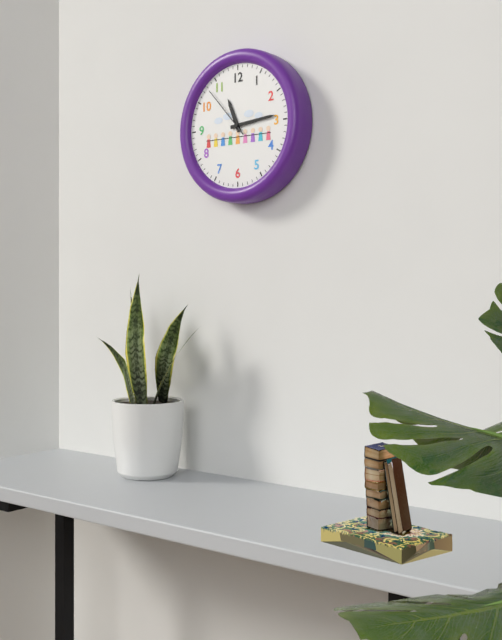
11:14:53
